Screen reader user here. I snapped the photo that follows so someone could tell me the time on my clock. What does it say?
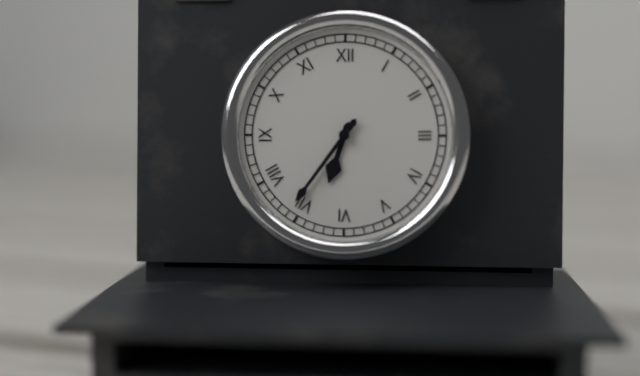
6:36
